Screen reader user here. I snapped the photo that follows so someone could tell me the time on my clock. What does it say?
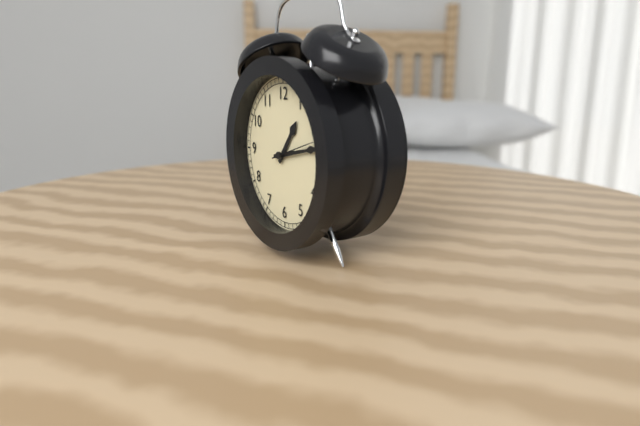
1:13
